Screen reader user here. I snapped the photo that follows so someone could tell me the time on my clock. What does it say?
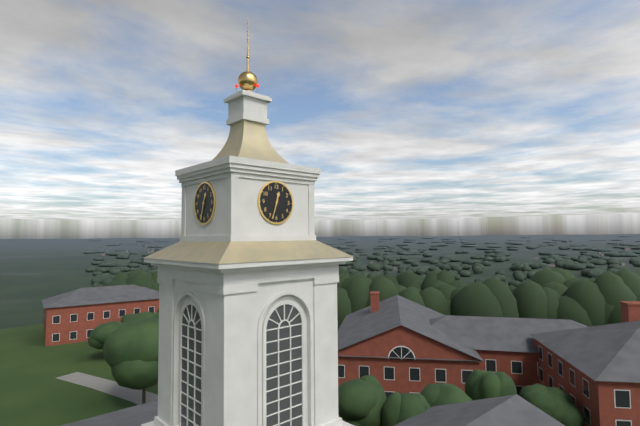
12:33
